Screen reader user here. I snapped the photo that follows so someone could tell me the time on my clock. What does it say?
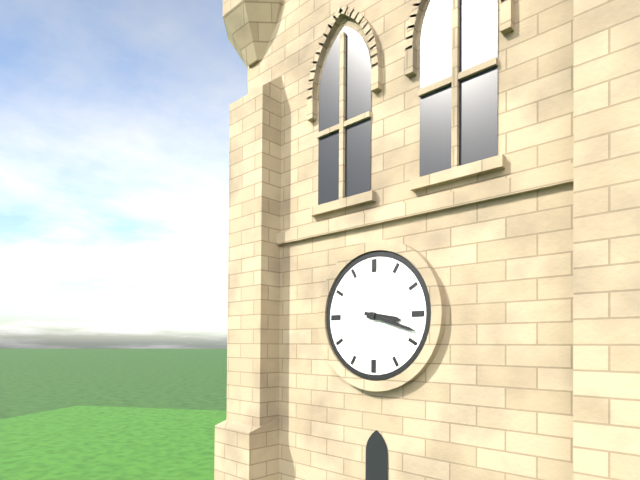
3:18
